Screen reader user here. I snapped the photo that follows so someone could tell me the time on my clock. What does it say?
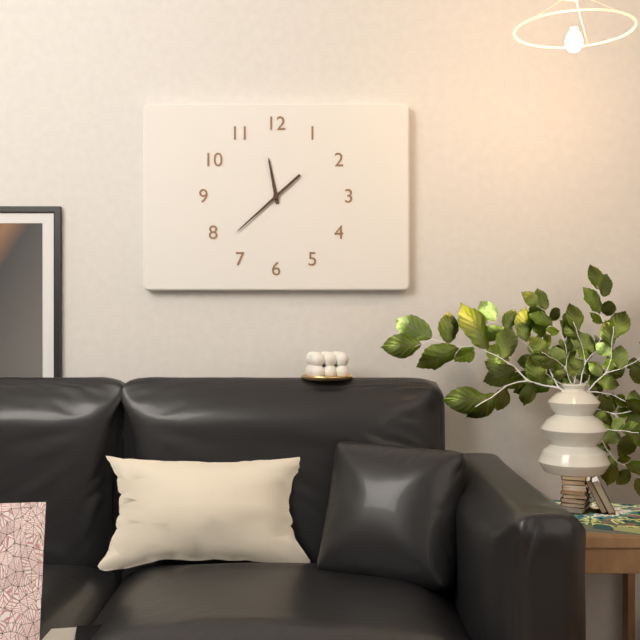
11:38
